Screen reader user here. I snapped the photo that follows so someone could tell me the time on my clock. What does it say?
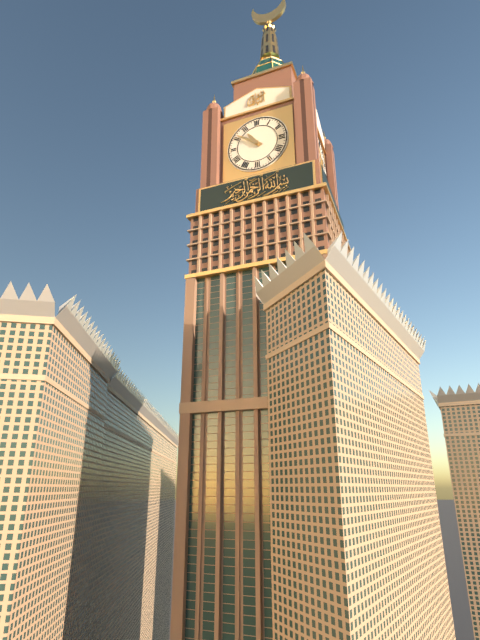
10:51
